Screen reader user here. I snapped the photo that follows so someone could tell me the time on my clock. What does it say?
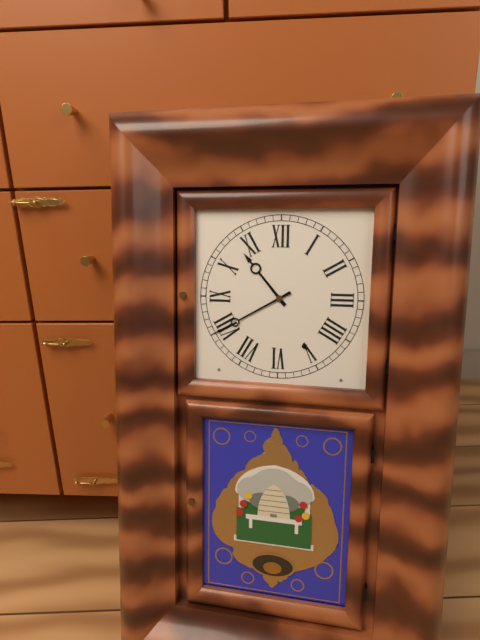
10:40
